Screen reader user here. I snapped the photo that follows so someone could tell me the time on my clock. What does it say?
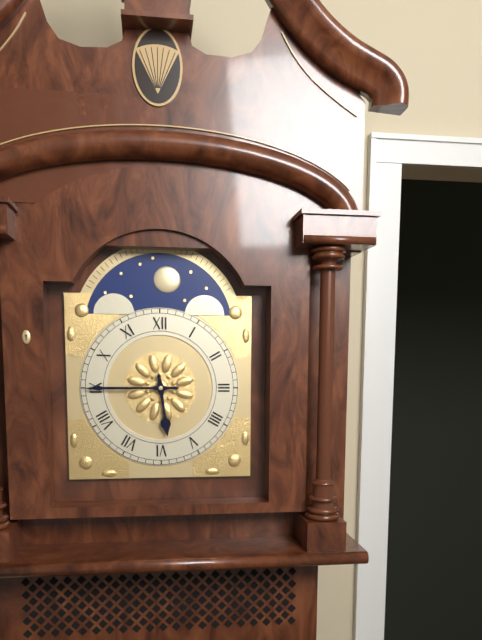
5:45
